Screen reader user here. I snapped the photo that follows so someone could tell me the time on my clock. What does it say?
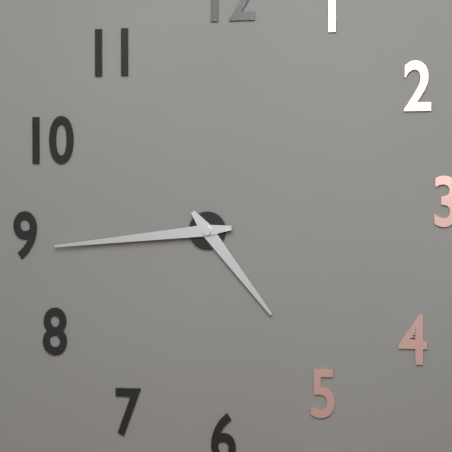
4:44
